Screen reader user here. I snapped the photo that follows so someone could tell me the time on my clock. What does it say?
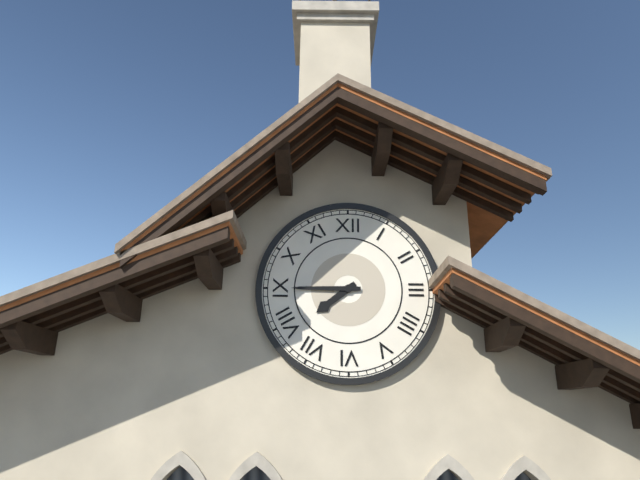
7:45
